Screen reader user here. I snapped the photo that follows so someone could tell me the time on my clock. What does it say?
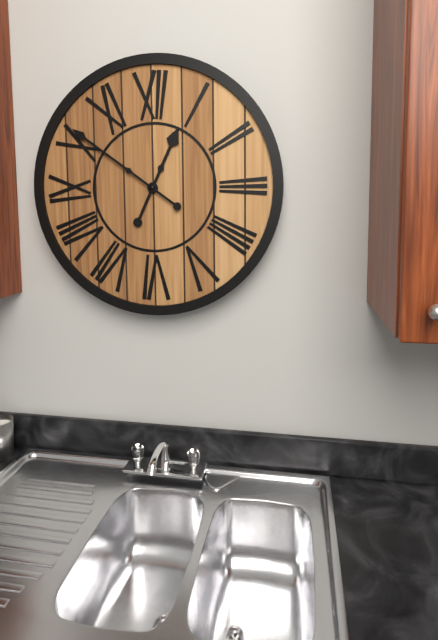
12:51
